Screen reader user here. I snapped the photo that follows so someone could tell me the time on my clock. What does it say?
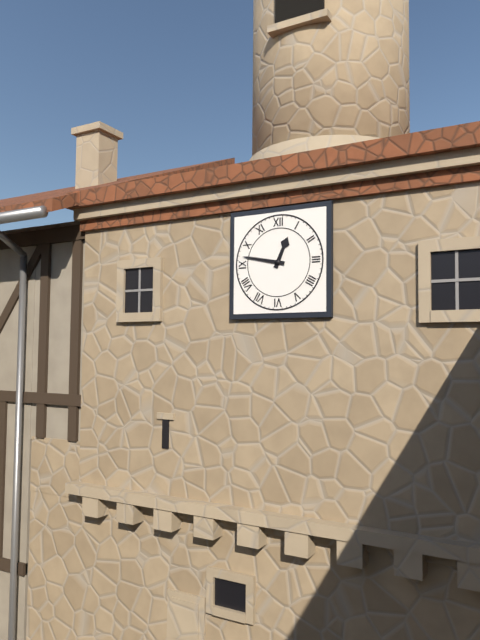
12:47
